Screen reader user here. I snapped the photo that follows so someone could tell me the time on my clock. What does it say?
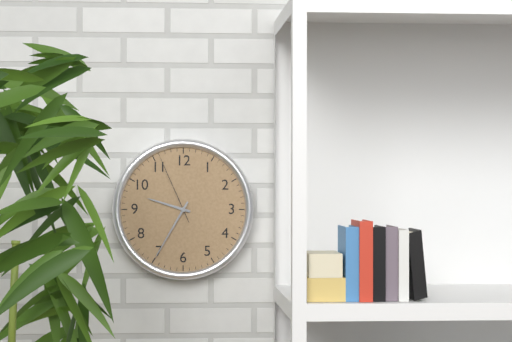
9:35:56
